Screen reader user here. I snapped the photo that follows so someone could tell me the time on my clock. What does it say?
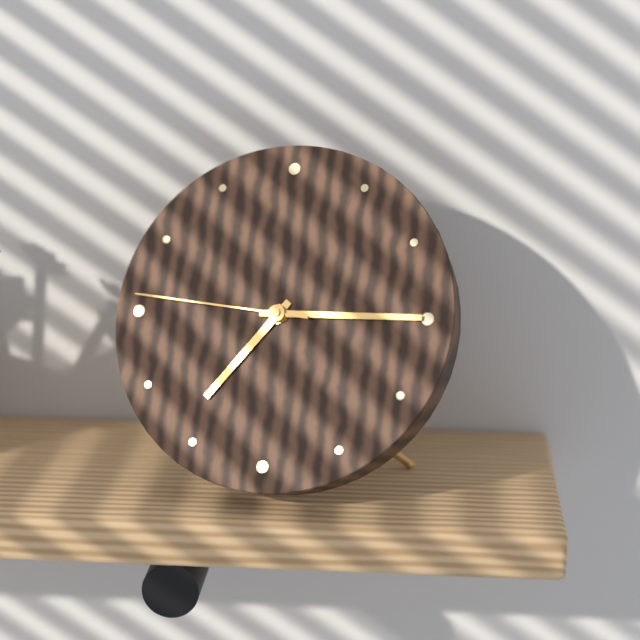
7:15:46
